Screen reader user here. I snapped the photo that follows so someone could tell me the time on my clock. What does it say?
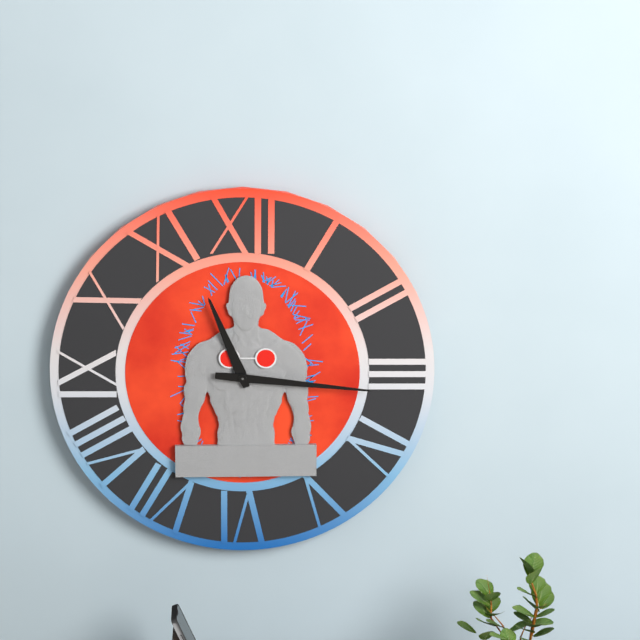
11:16
